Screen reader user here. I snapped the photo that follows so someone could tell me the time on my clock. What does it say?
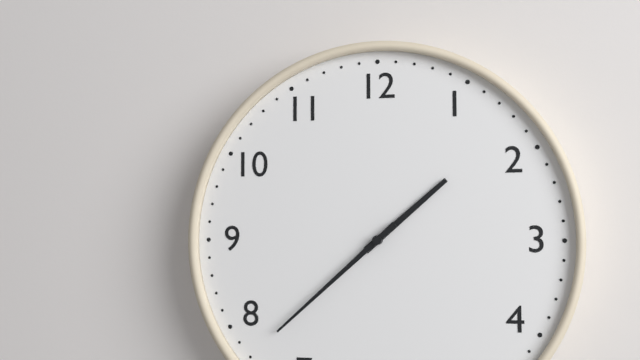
1:38
